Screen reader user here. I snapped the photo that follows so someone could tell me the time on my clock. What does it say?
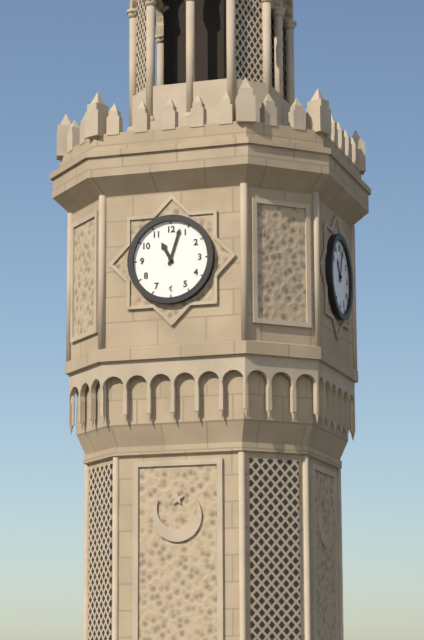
11:03
